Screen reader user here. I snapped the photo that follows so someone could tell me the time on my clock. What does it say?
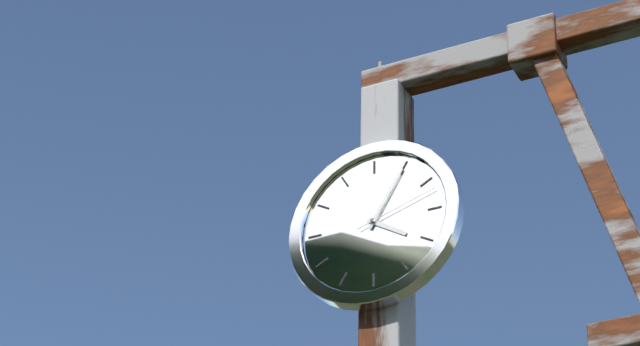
4:05:12
